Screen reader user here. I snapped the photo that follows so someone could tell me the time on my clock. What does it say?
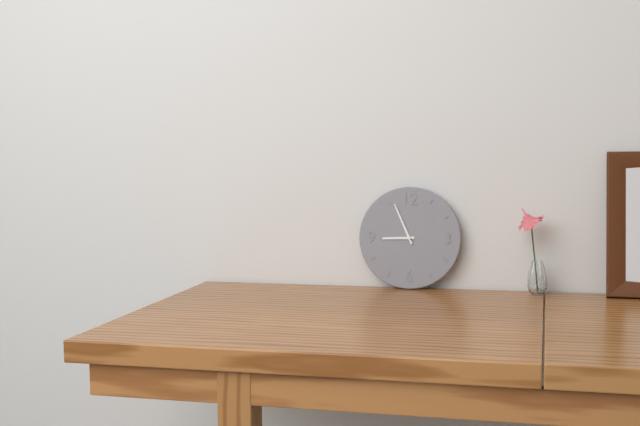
8:56
